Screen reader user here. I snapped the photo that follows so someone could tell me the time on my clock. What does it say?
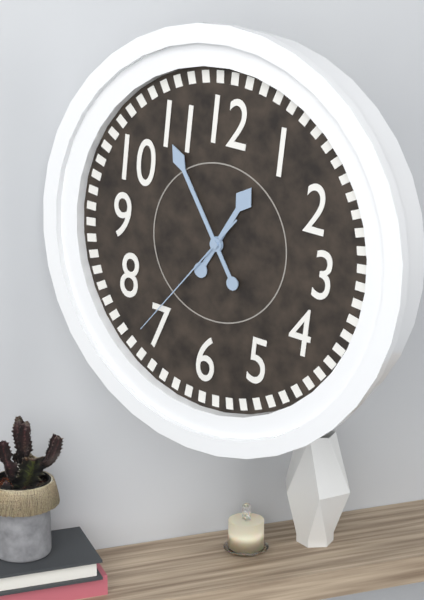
12:54:36
